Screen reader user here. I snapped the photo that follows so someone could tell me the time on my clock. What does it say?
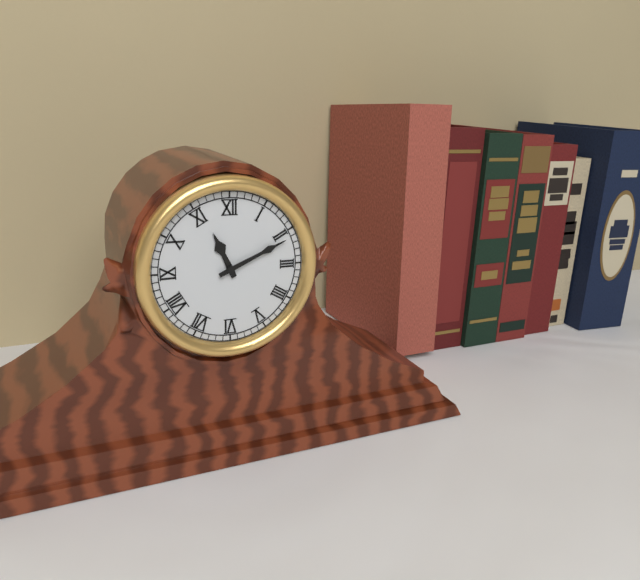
11:11
